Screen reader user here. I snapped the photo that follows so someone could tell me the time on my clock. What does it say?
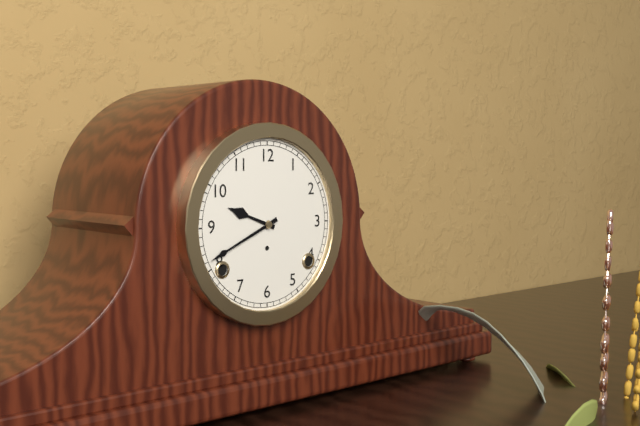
9:41
